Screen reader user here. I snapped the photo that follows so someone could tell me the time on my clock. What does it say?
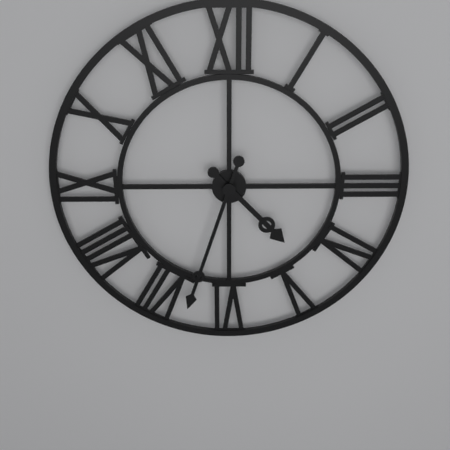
4:33
